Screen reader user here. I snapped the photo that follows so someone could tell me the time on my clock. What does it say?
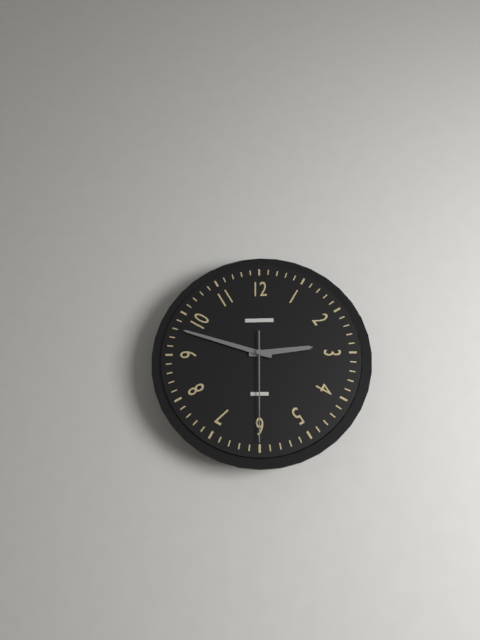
2:48:30
